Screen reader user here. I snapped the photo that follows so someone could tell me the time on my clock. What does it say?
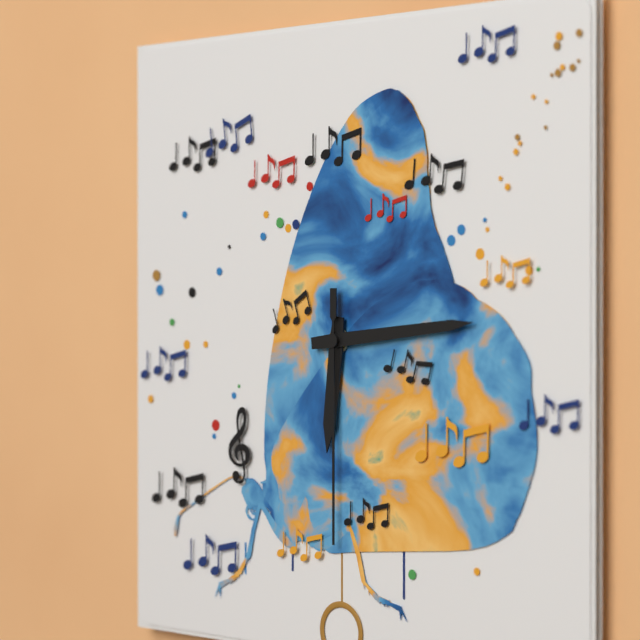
6:14:30
